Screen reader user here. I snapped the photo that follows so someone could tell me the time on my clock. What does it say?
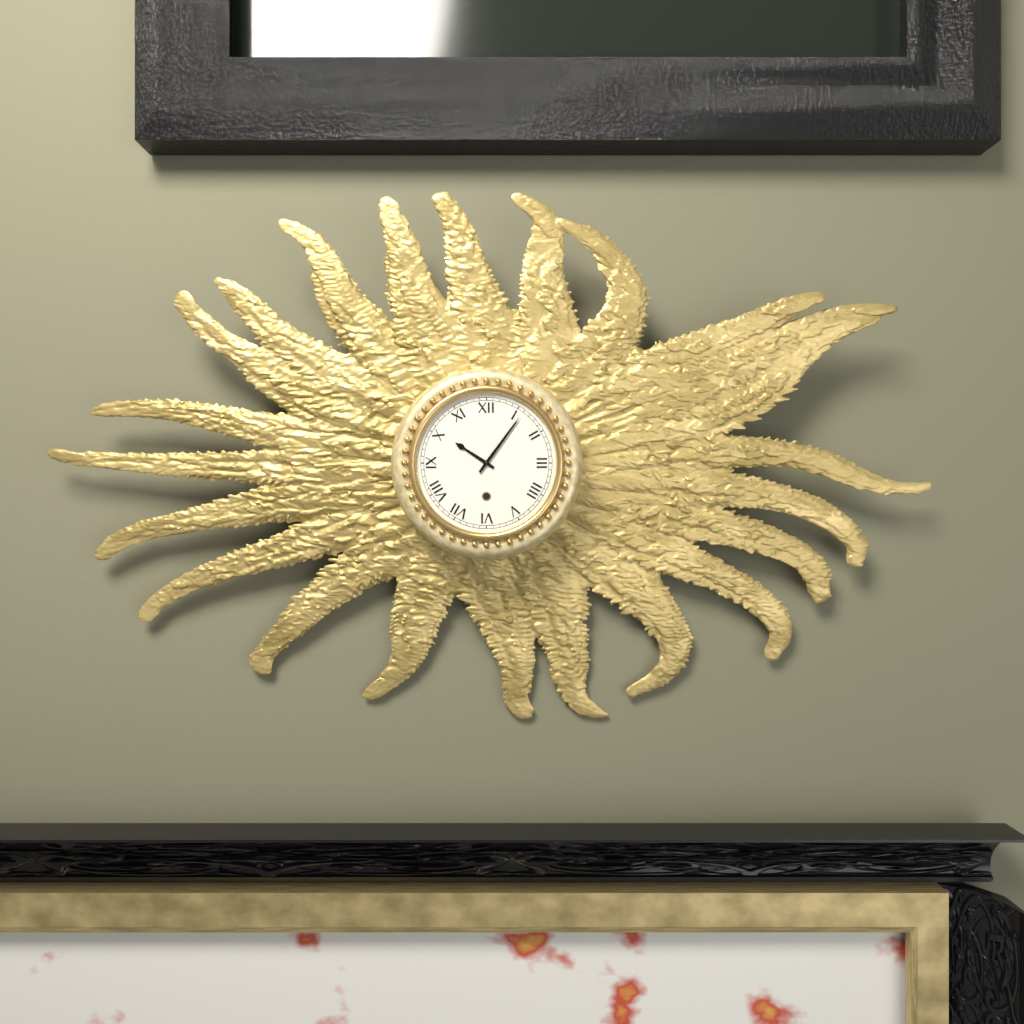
10:06
